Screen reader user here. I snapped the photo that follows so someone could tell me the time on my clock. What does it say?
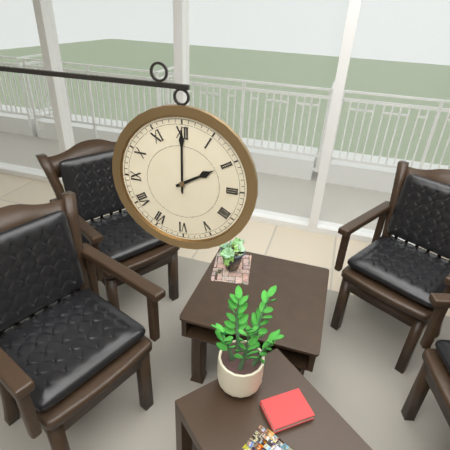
2:00
